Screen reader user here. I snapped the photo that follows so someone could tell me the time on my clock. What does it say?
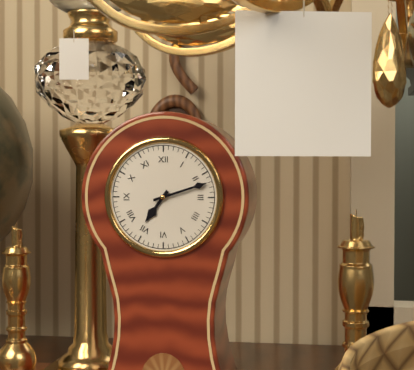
7:12
